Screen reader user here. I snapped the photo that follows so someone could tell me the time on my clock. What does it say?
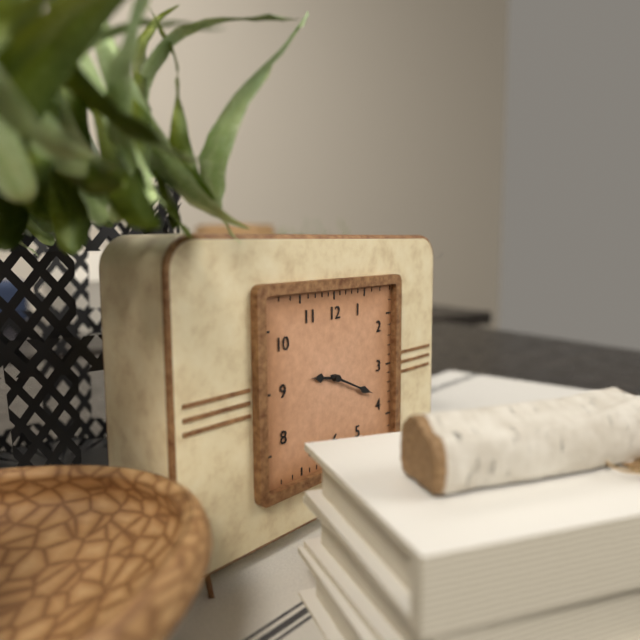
9:19
